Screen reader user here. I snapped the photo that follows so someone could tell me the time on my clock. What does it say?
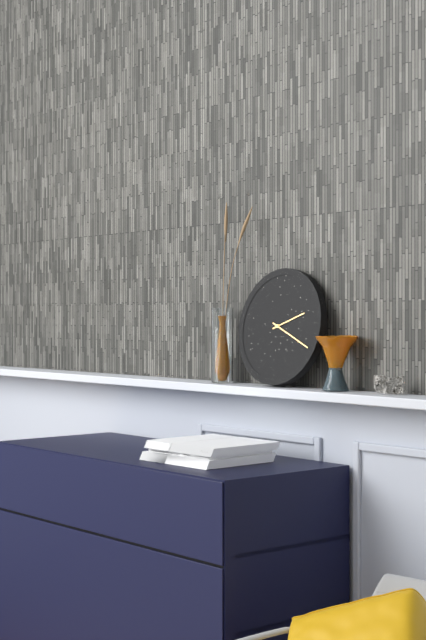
2:19
